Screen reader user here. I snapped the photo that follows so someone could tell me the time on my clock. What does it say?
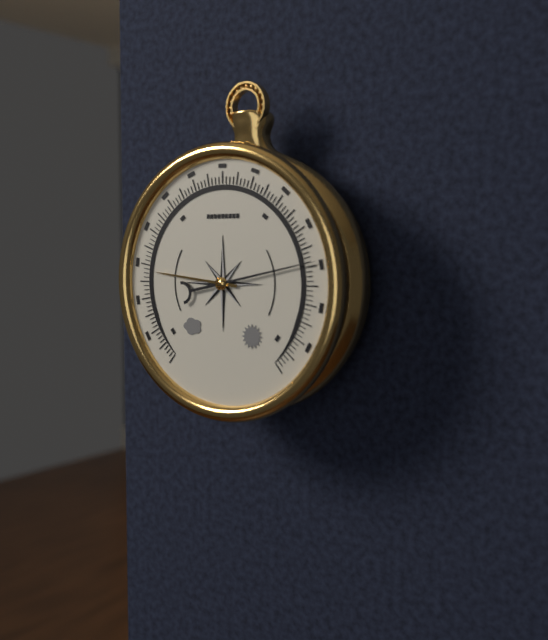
9:13
